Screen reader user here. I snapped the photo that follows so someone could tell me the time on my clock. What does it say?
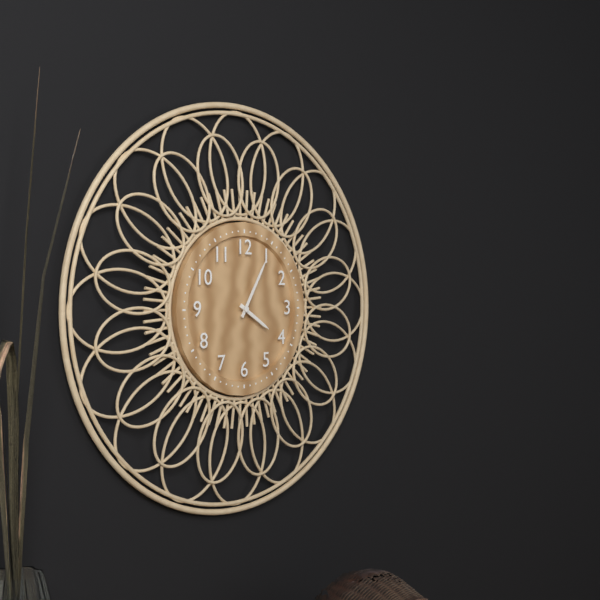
4:05
